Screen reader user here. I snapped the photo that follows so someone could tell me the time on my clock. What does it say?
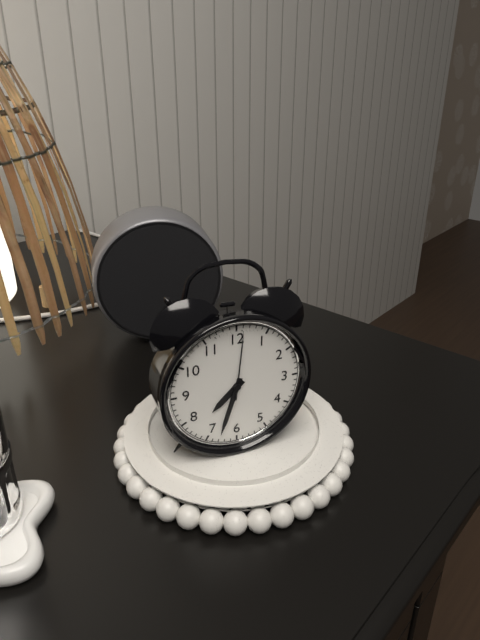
7:33:01
